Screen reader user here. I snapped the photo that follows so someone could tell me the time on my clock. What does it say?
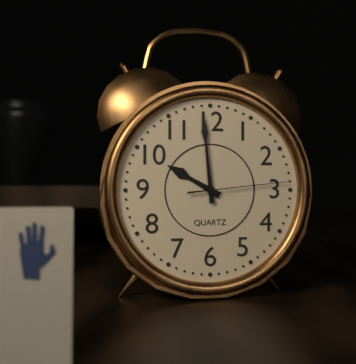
9:59:14
